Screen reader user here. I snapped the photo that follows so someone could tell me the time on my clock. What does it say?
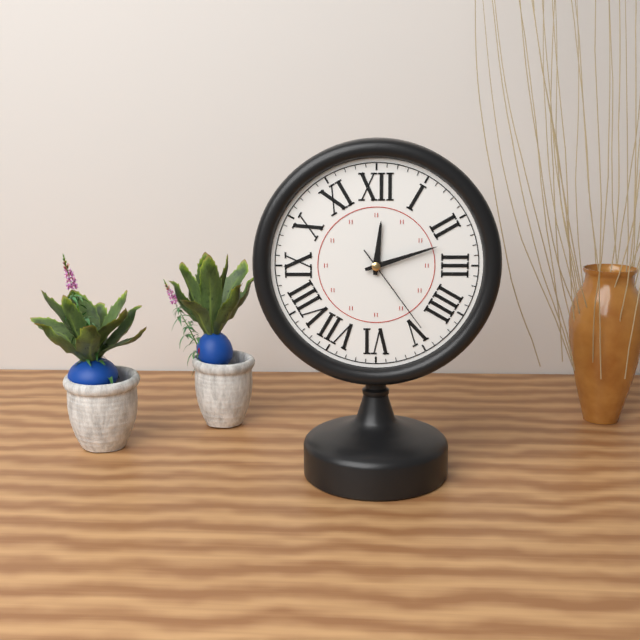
12:12:24
